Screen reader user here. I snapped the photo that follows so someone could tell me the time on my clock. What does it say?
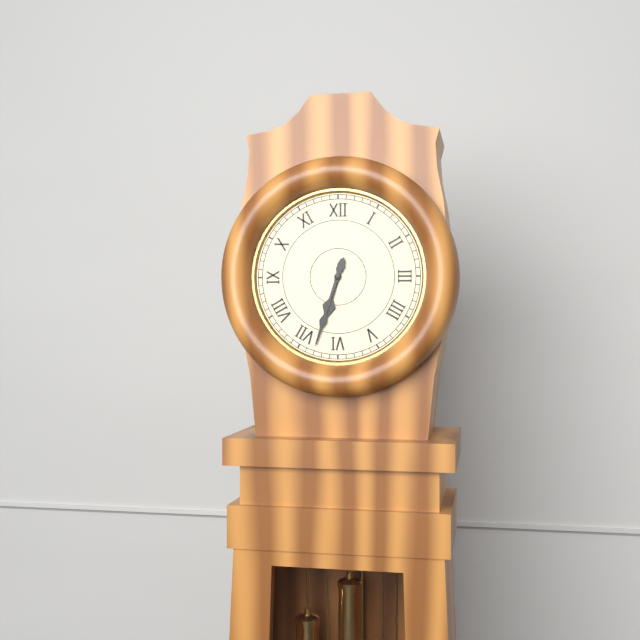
6:33
